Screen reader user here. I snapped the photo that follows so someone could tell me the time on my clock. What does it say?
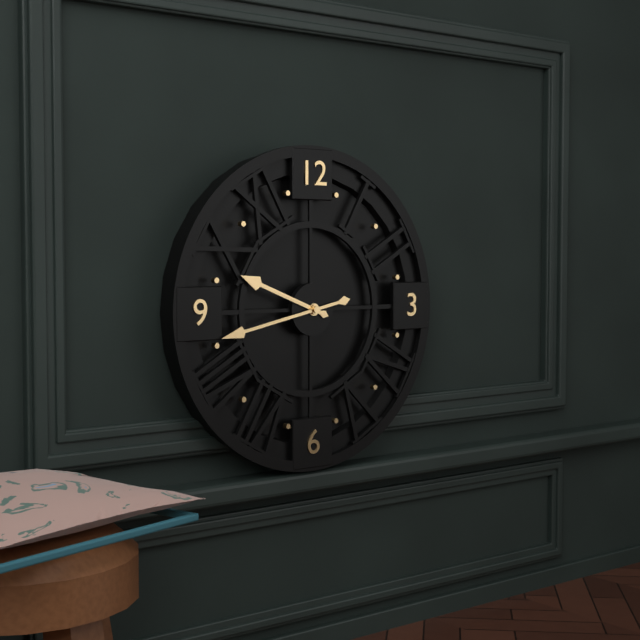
9:43
